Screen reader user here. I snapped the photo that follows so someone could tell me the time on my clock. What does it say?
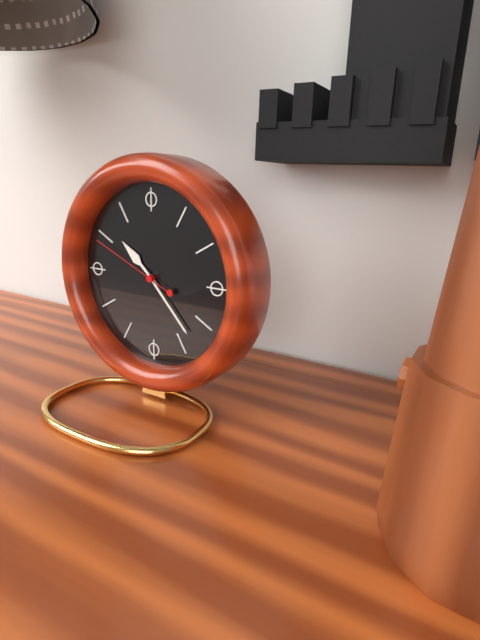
10:23:49
